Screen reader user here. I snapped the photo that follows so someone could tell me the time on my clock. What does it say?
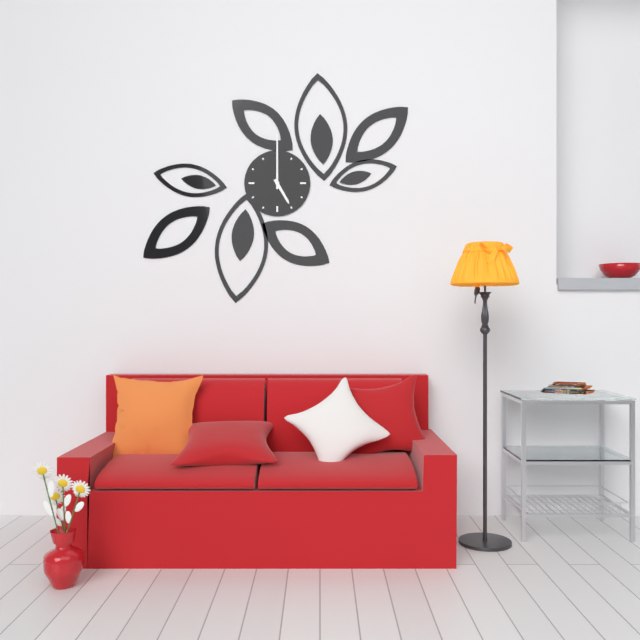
5:00
